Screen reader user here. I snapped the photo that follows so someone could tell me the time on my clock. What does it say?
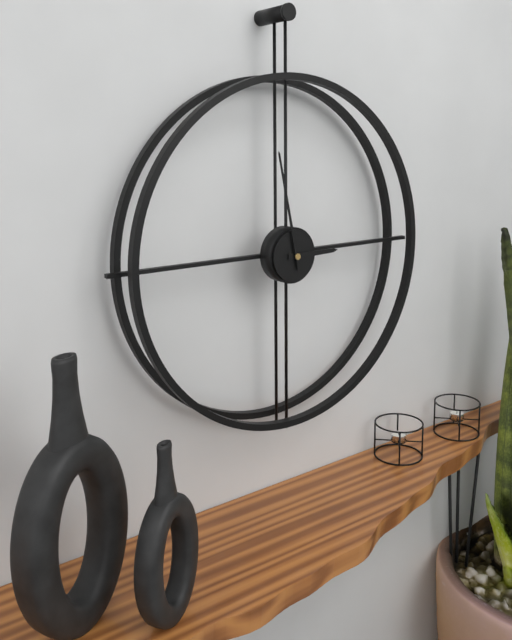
2:58
